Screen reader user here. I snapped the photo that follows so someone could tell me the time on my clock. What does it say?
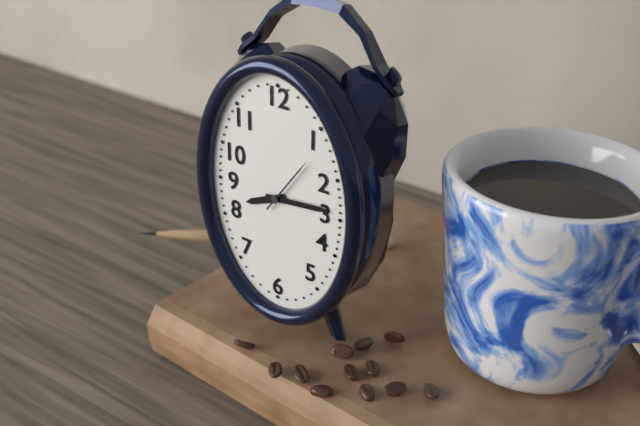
8:14:06
